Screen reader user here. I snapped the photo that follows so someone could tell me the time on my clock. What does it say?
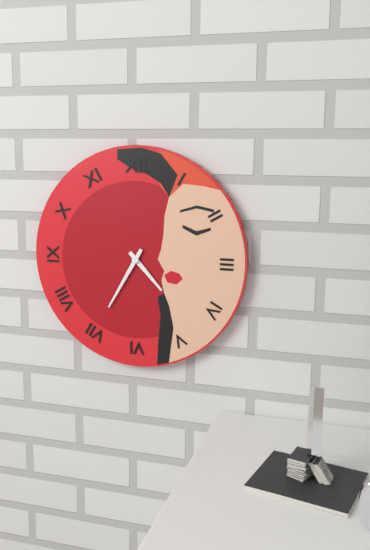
4:35
